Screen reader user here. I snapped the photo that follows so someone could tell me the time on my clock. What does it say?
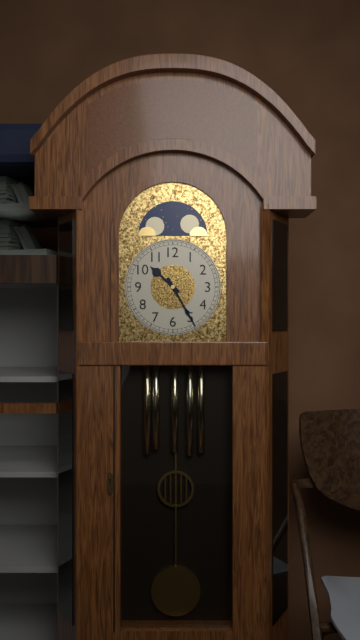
10:25
